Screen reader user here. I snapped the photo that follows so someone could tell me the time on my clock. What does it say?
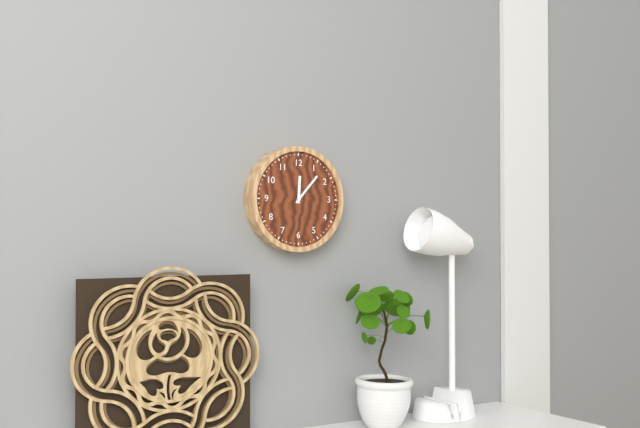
12:07
